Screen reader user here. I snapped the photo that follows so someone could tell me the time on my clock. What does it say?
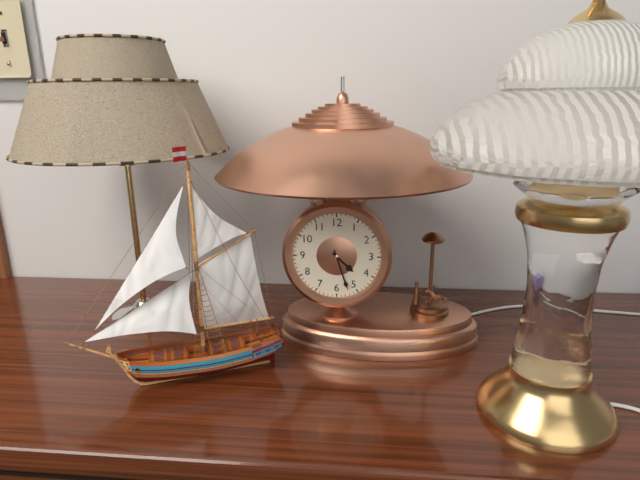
4:27
